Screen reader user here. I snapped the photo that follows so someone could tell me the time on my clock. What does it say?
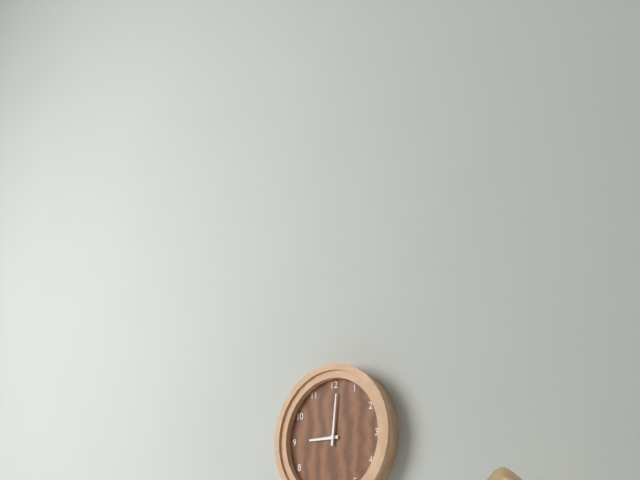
9:01
